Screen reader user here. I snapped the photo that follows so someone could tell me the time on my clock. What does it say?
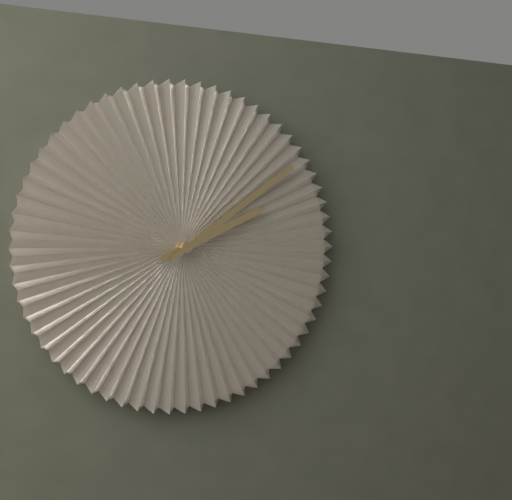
2:09
